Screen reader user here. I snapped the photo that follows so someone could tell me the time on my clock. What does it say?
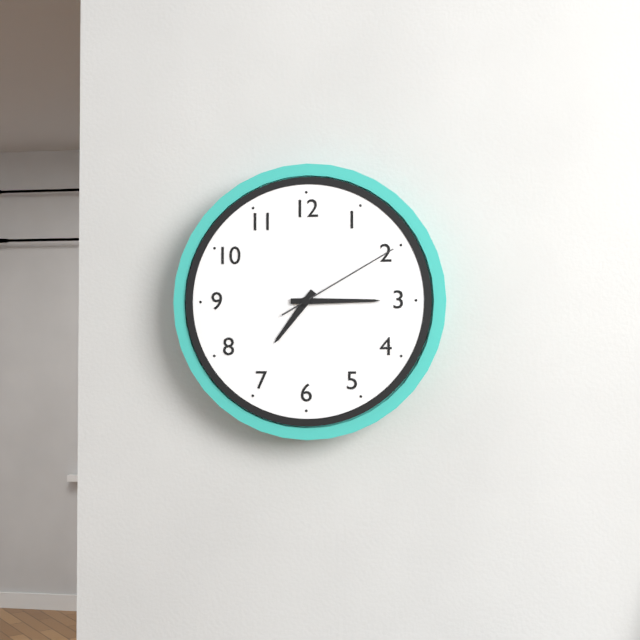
7:15:10
